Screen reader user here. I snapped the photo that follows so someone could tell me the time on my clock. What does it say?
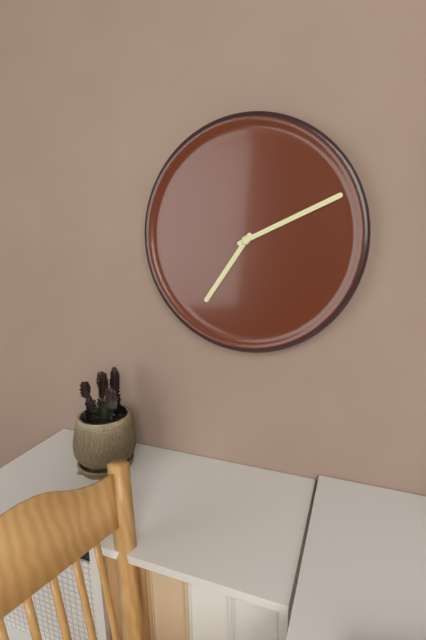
7:11
